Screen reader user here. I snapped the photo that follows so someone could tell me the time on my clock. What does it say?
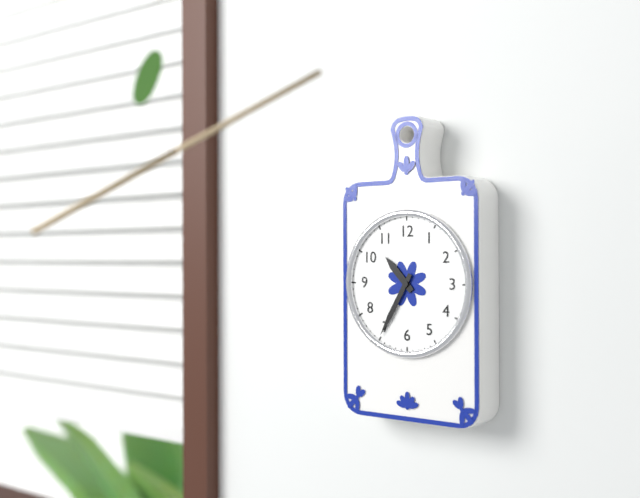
10:35
